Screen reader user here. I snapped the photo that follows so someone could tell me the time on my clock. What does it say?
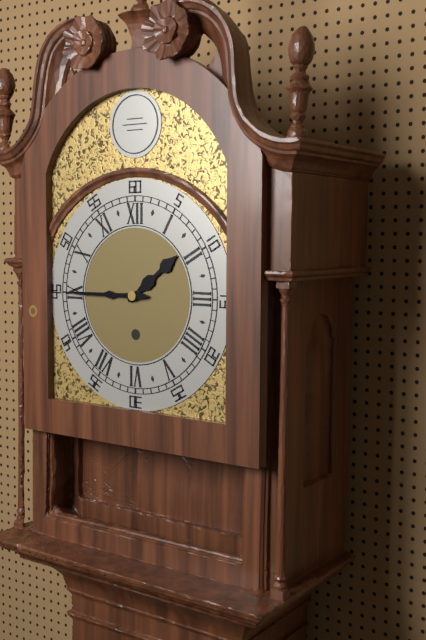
1:45
